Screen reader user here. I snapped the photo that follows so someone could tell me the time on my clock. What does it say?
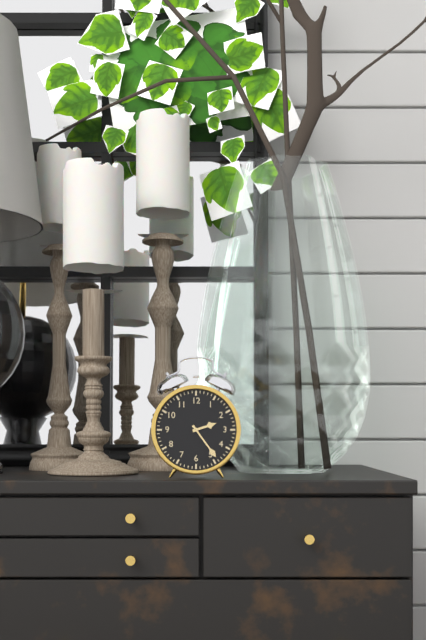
2:24
